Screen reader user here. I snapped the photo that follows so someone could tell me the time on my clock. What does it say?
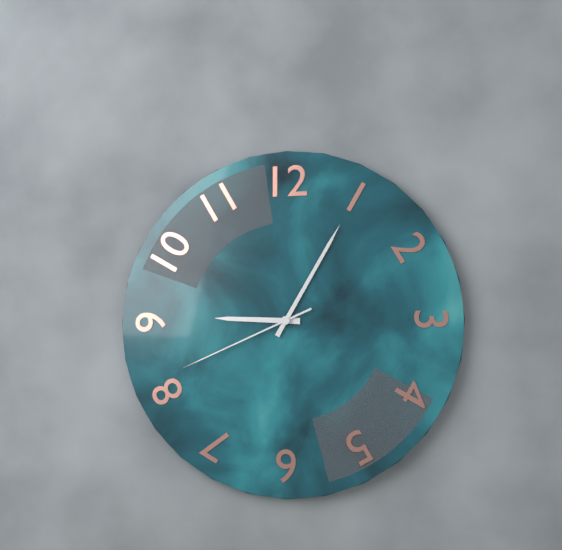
9:05:41
